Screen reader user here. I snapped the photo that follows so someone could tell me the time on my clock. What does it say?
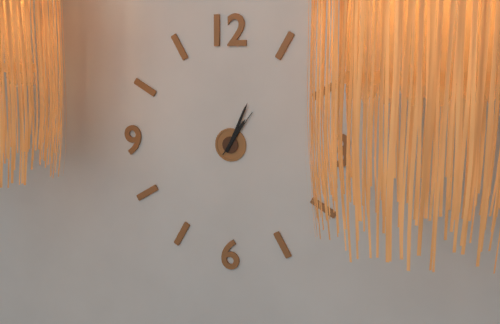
1:04
